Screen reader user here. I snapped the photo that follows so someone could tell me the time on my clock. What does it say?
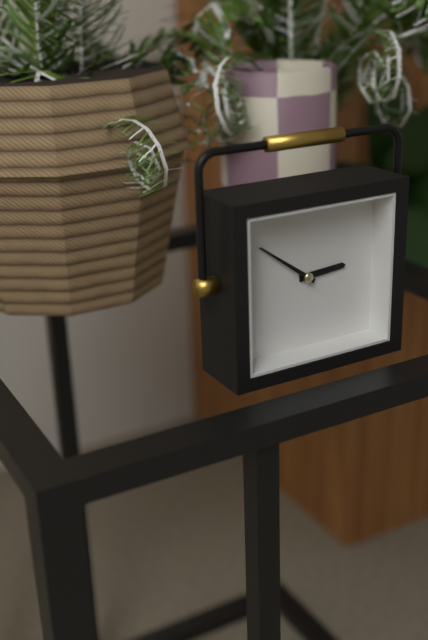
2:51
